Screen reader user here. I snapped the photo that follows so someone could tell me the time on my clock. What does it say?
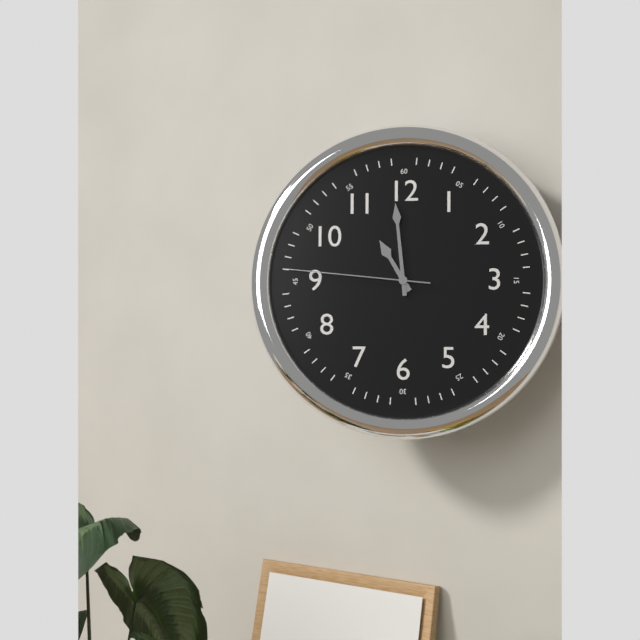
10:59:46
